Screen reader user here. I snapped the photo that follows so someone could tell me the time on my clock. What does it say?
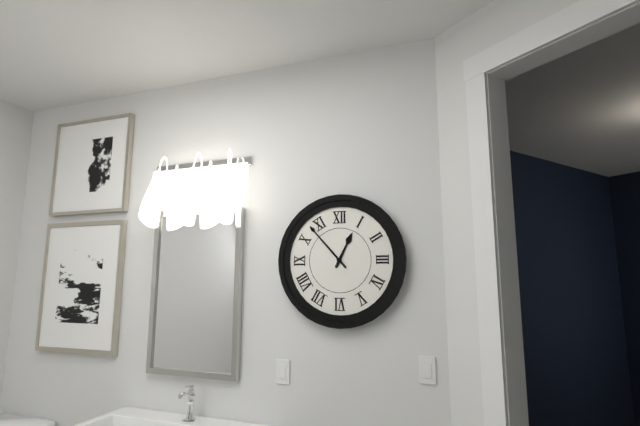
12:53
